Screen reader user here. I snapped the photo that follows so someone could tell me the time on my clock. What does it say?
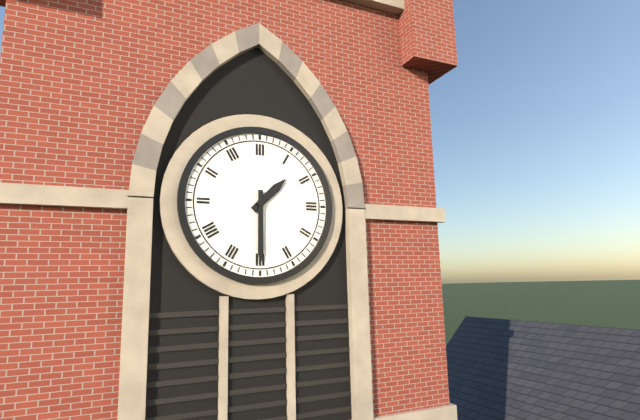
1:30
